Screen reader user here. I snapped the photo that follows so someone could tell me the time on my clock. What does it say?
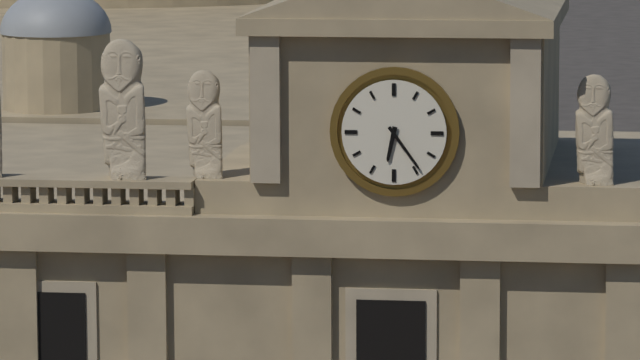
6:24
